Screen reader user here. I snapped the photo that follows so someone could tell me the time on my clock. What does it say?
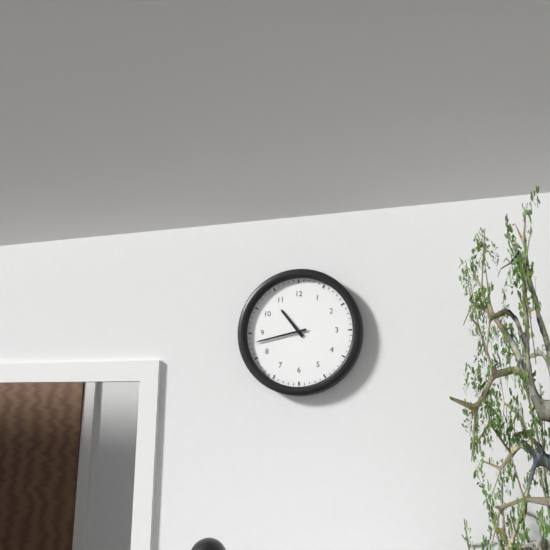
10:43
